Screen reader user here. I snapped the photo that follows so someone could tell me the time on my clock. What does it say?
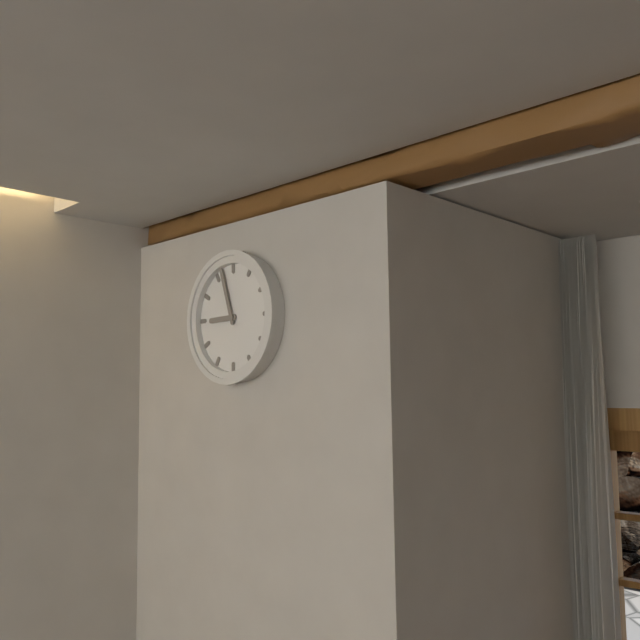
8:57
